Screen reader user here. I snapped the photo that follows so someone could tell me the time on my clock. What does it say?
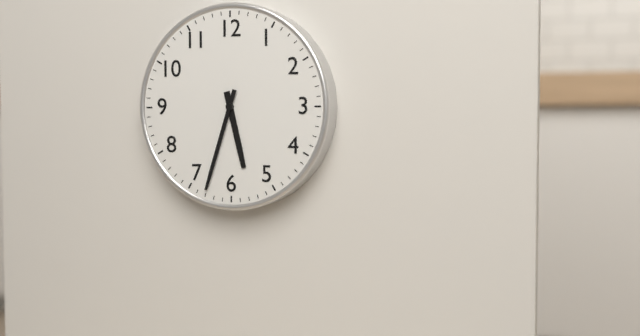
5:33
